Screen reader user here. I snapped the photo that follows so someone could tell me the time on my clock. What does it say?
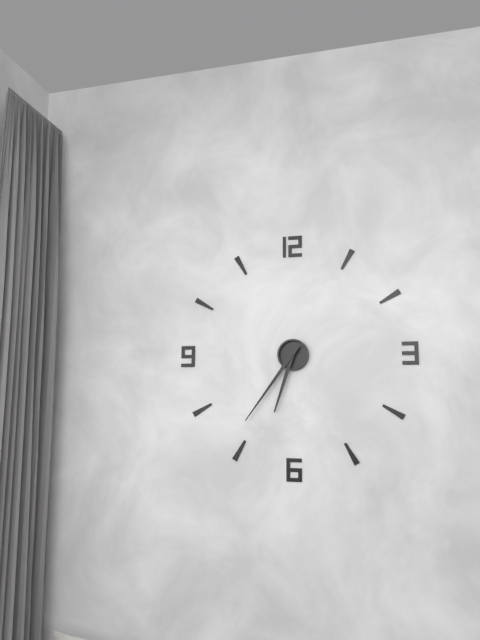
6:36
